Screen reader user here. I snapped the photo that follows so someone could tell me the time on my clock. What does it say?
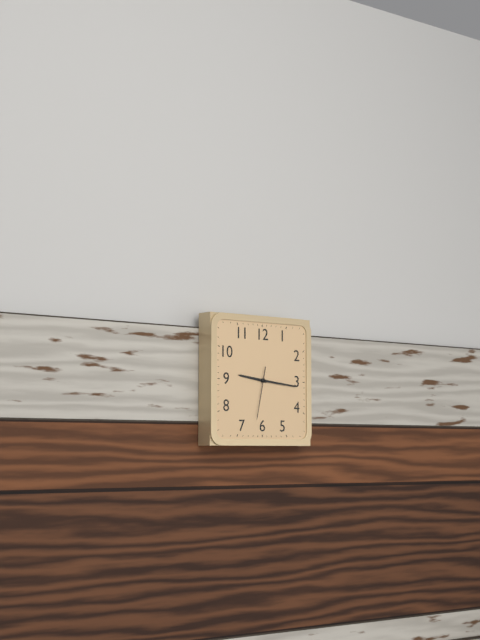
9:16
